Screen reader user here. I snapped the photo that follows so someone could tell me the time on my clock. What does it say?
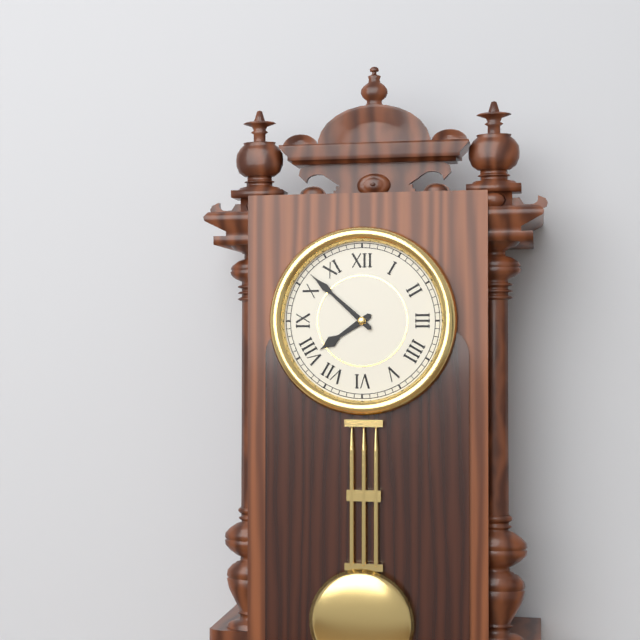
7:52
